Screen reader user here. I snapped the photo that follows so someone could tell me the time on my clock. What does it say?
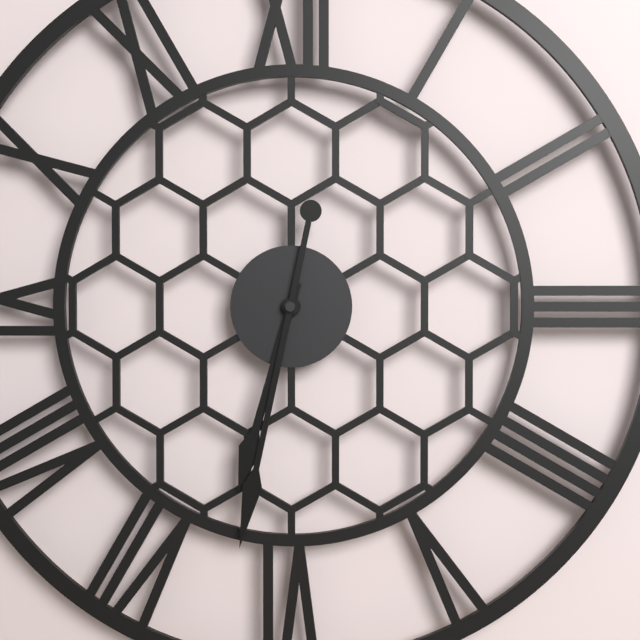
6:32
